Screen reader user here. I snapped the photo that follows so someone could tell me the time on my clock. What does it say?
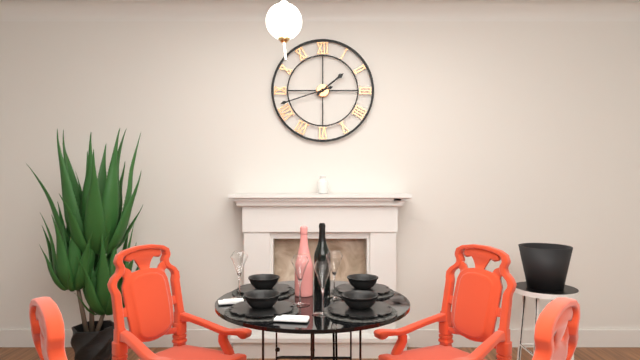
1:42
